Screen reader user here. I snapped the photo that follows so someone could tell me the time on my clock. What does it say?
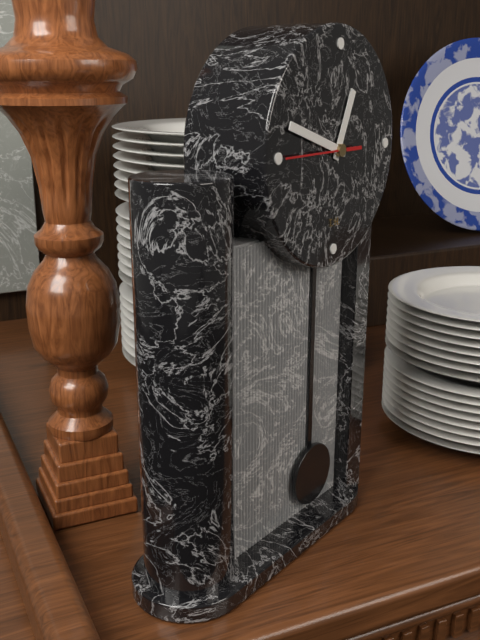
12:48:45
